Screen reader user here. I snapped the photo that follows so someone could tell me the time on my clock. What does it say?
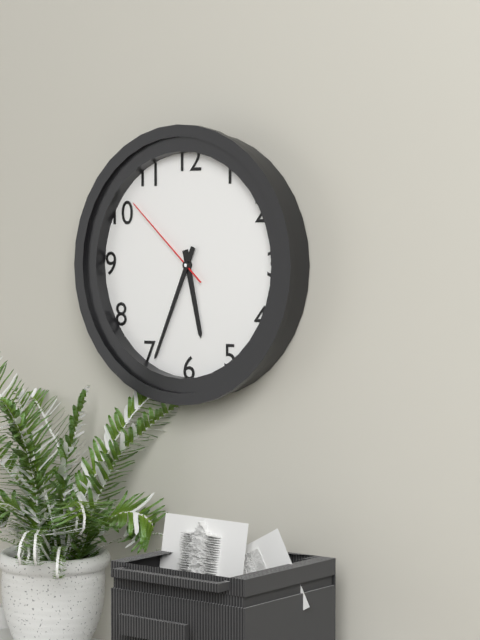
5:34:52
